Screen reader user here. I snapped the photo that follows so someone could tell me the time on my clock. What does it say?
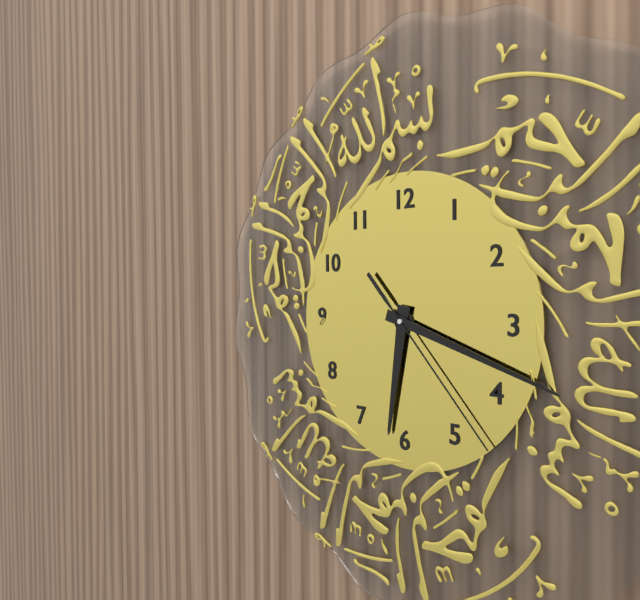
6:18:23
